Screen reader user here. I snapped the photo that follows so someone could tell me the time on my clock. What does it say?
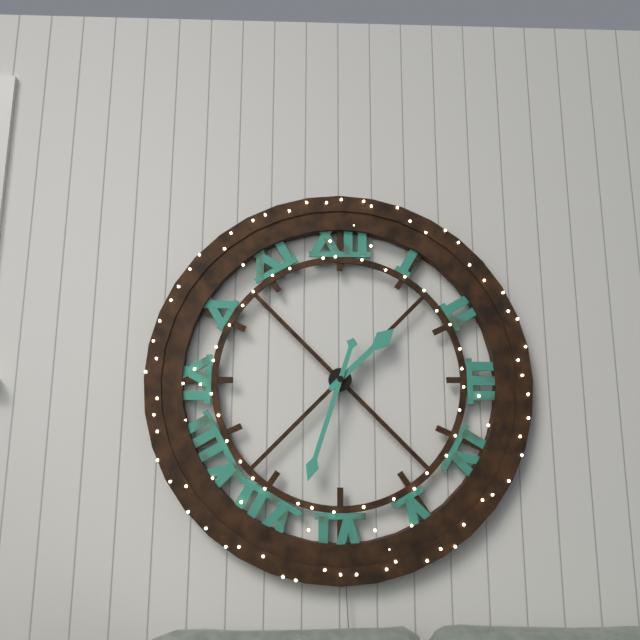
1:33
